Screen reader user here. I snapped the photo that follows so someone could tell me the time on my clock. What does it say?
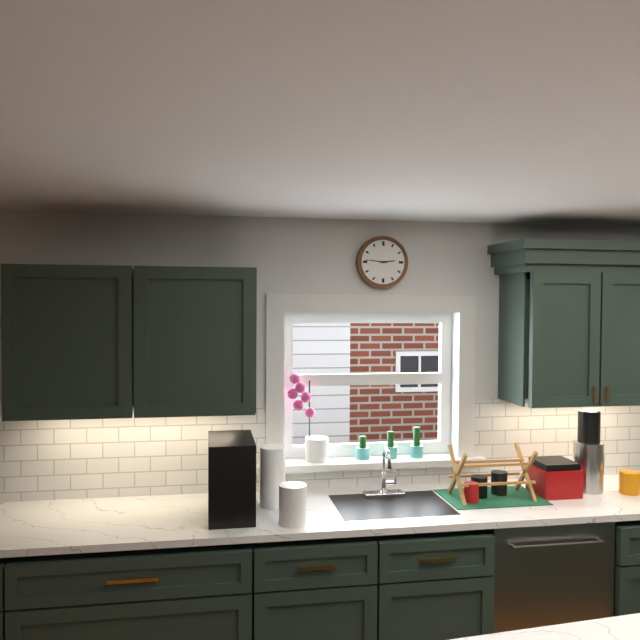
2:46
